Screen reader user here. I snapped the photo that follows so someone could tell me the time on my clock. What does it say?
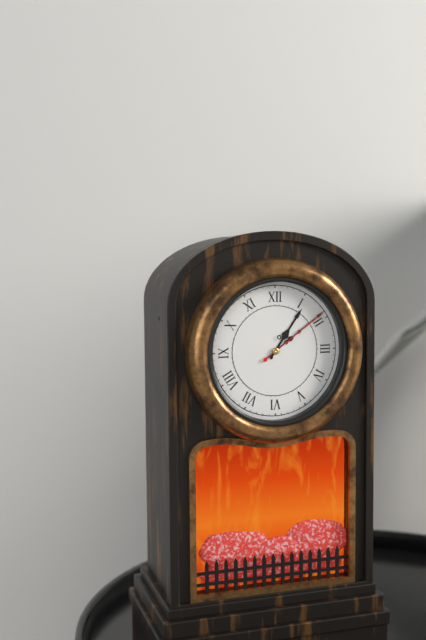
1:09:09
